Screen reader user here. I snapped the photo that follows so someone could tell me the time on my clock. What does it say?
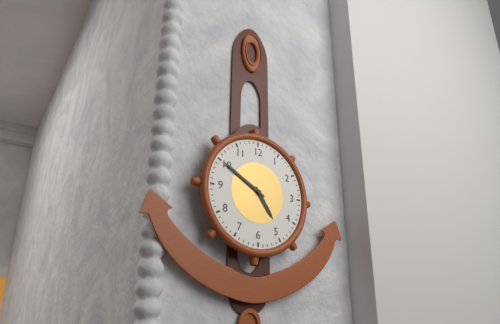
4:50
